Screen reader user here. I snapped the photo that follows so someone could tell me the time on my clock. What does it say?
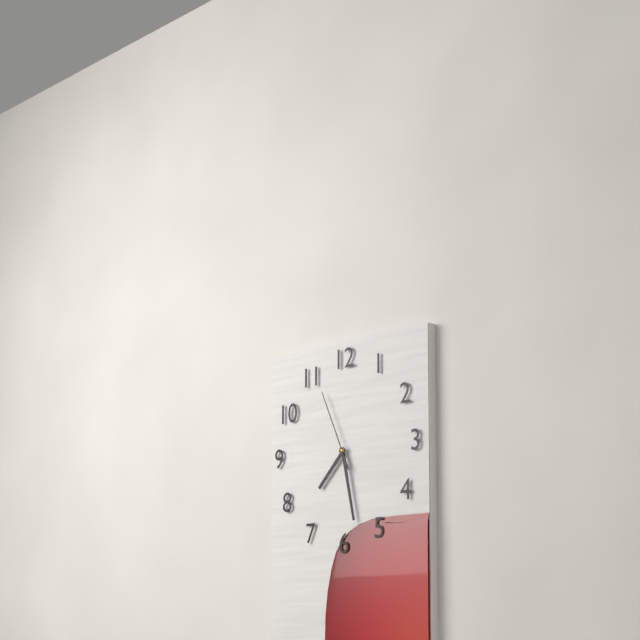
7:28:56
